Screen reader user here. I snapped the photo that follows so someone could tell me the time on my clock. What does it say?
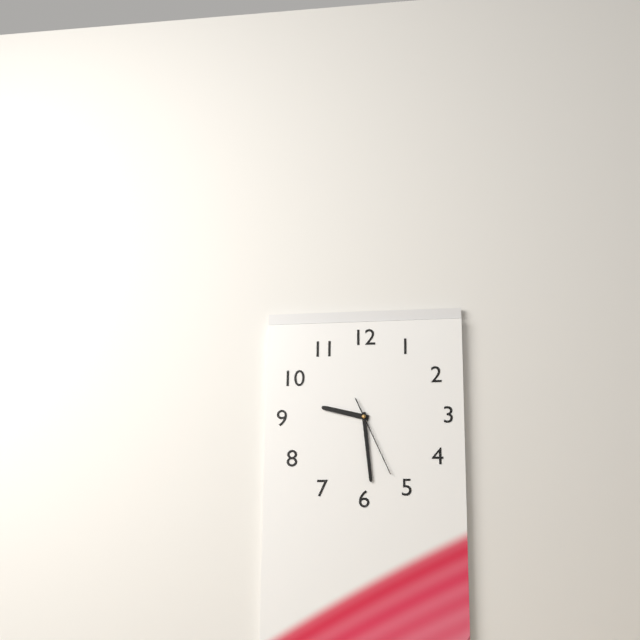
9:29:26
